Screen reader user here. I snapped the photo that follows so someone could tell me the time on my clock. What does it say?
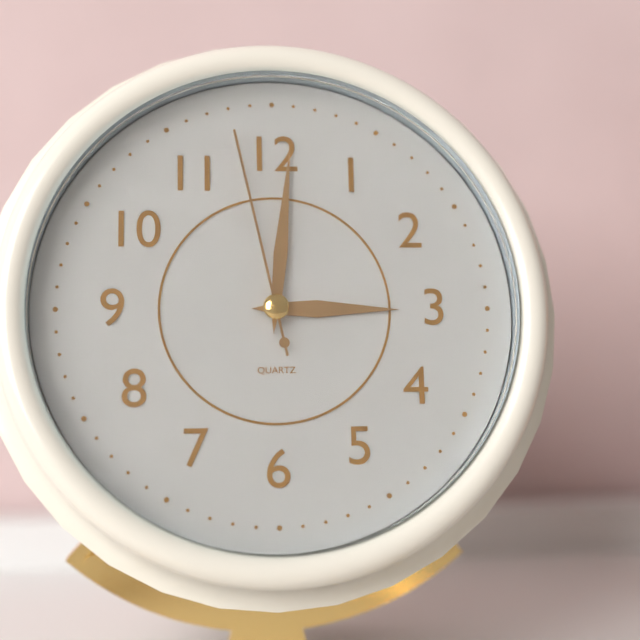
3:01:58
